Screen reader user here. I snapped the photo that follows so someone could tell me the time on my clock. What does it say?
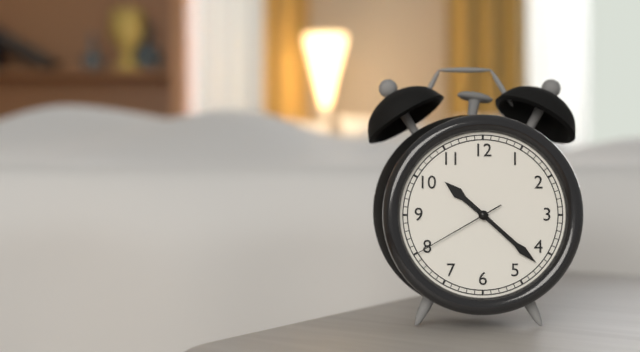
10:22:40
